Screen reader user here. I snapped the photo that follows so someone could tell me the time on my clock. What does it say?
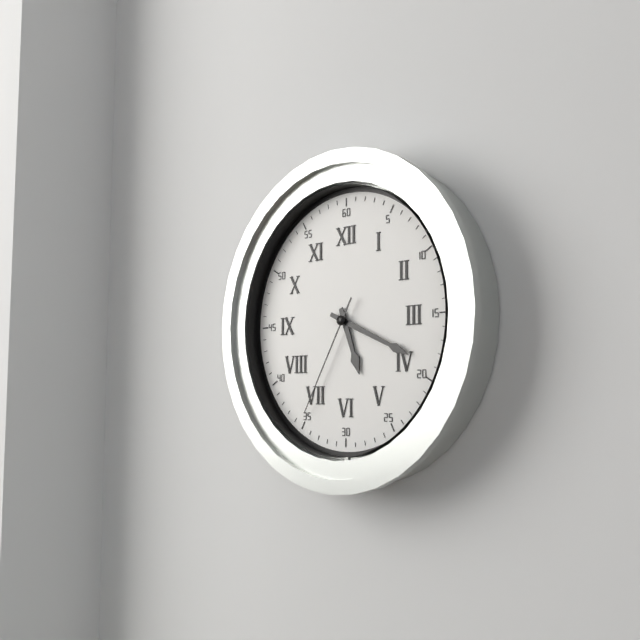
5:19:35
